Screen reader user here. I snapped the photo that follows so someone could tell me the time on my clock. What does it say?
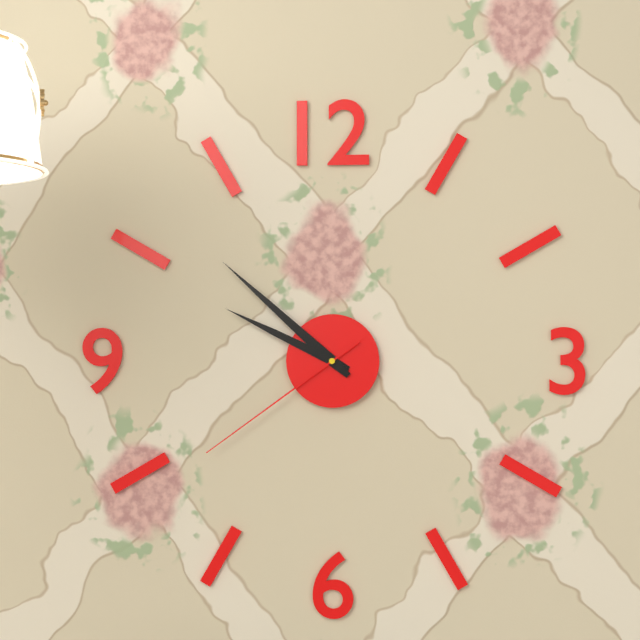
9:52:39
